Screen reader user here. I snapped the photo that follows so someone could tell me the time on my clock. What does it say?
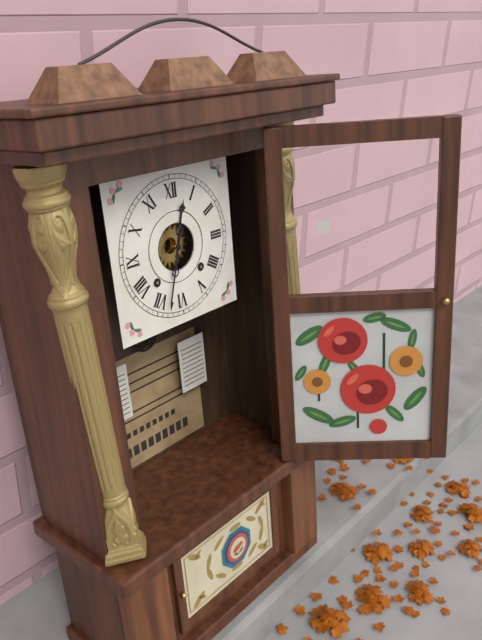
12:33
